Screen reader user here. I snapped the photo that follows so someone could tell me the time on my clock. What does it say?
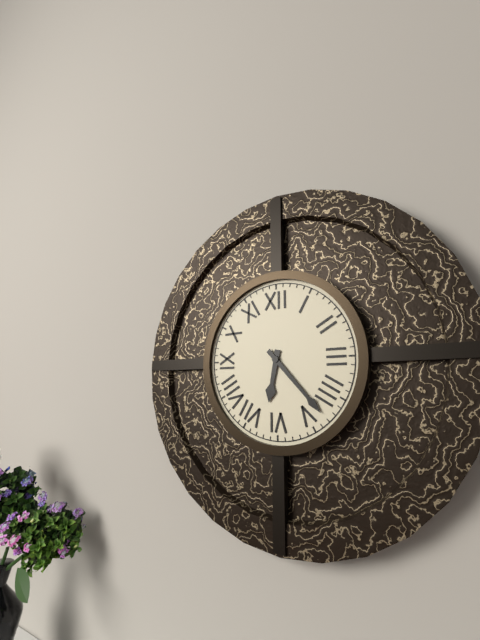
6:23
